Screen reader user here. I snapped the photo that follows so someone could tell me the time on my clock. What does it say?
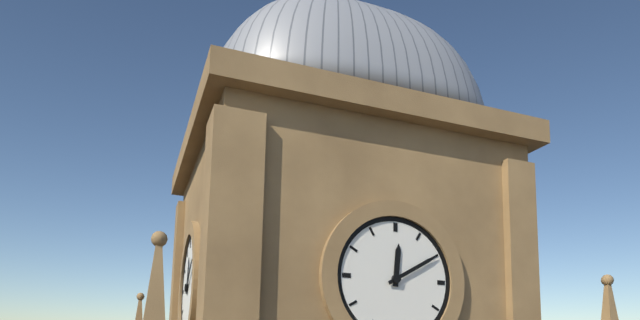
12:10
